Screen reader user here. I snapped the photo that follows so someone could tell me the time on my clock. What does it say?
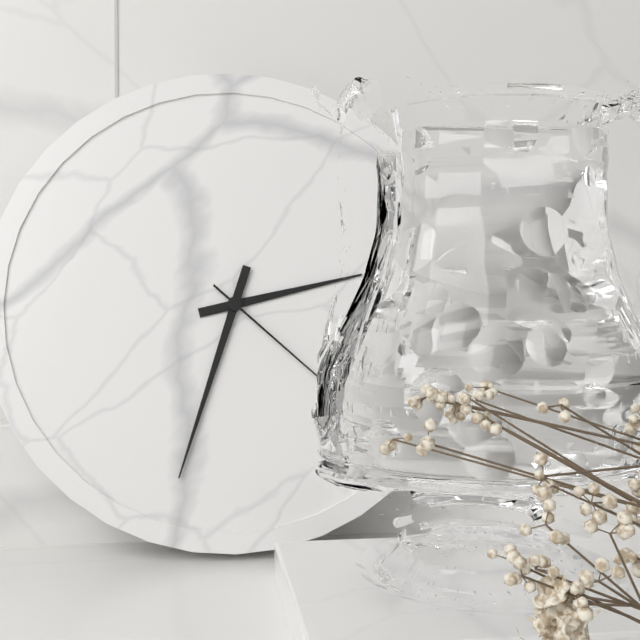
2:33:22
